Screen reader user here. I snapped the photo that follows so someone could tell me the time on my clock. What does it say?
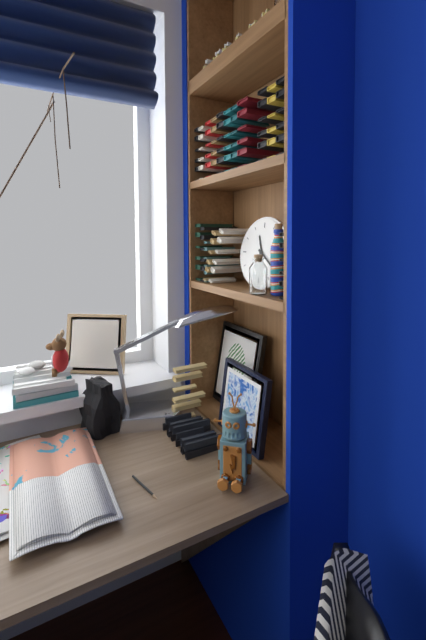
11:21
